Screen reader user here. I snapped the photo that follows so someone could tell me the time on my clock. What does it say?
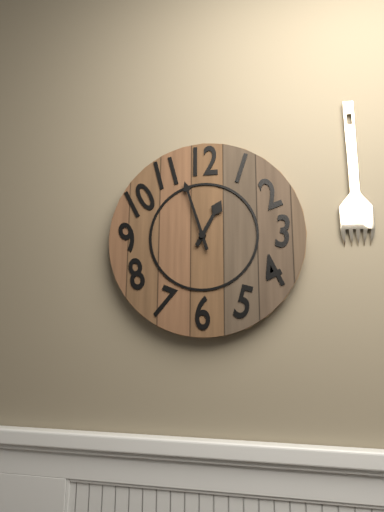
12:57
